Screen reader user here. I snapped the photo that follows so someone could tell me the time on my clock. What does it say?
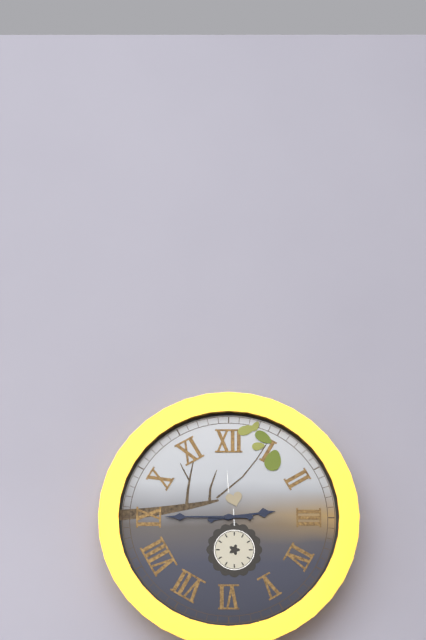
2:45
